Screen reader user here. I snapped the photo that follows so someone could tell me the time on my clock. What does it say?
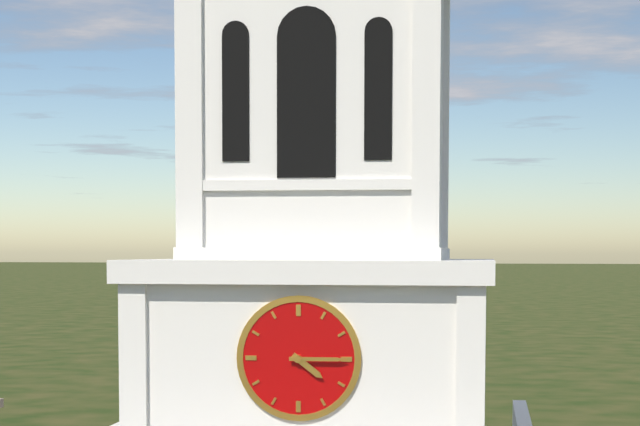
4:15
